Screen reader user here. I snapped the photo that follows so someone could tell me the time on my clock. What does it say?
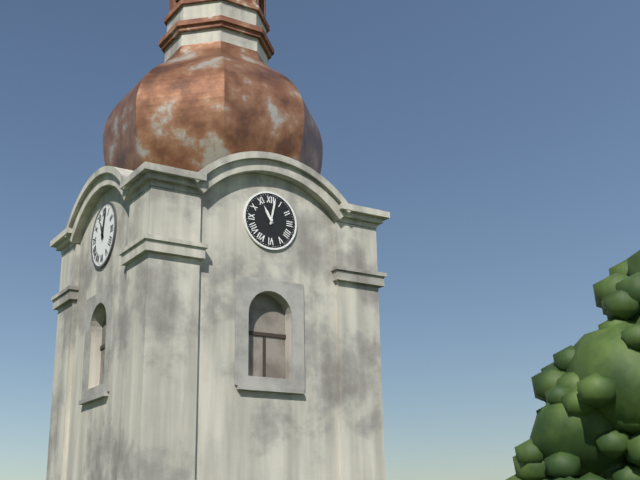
11:02
